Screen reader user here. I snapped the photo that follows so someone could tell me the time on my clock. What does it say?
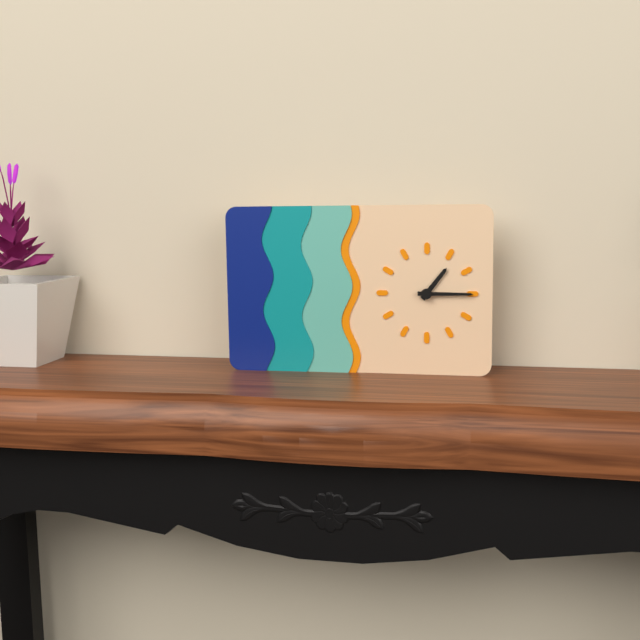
1:15
